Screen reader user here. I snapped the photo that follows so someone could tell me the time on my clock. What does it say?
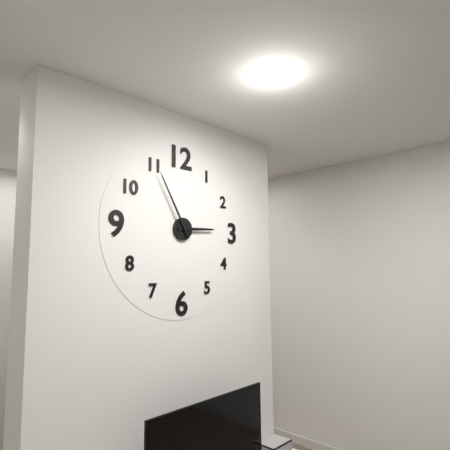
2:55
